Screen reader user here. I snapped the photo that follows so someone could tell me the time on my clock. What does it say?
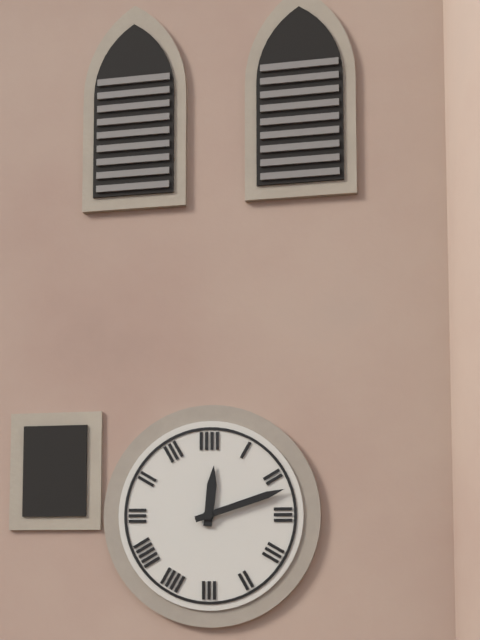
12:12
